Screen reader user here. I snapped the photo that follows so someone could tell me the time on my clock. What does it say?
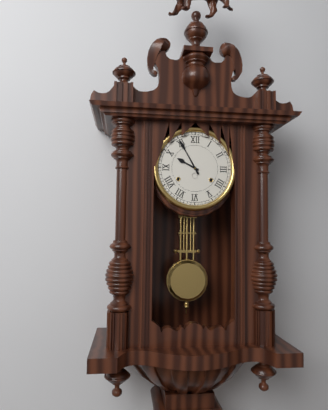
9:55
